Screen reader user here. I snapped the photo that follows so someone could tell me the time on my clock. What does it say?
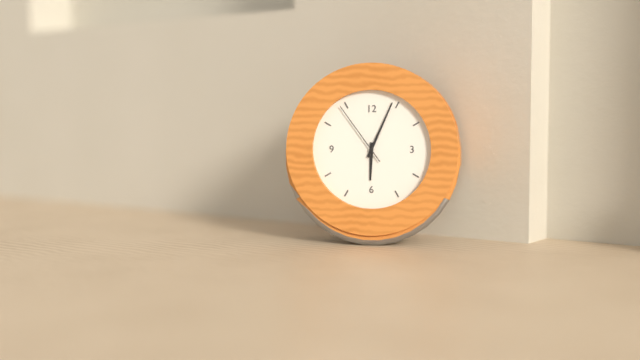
6:04:54
